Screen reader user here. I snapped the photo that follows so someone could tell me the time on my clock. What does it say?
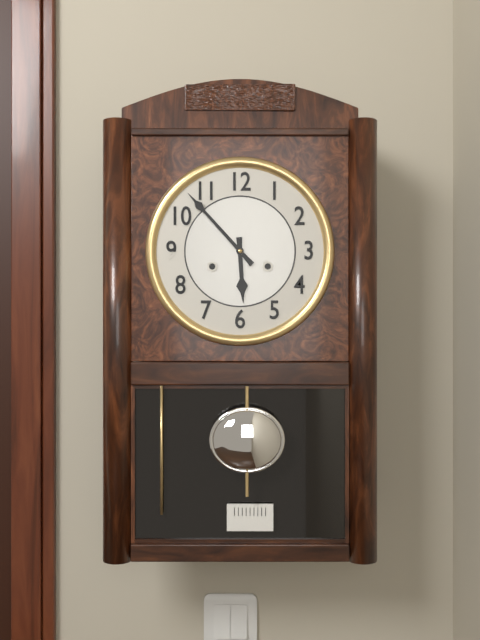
5:53
